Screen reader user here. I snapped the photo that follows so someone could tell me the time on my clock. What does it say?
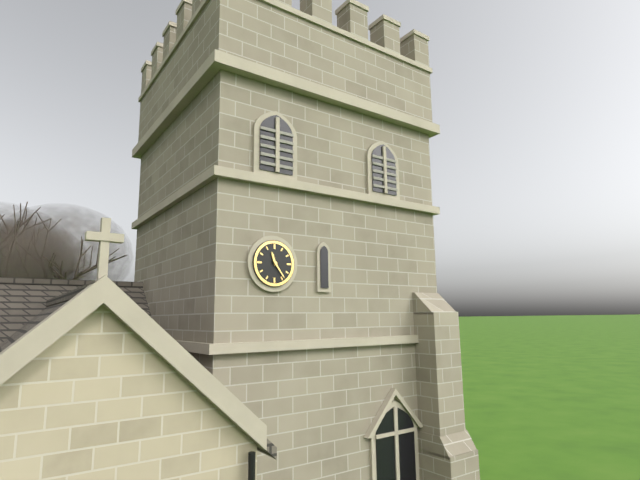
11:24
